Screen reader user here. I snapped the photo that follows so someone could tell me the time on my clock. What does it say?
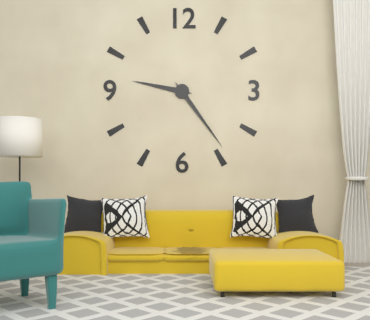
9:24
